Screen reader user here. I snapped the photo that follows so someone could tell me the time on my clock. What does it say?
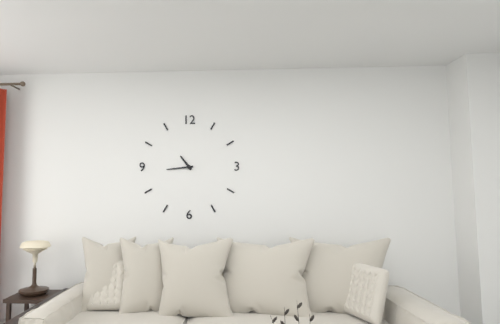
10:44
